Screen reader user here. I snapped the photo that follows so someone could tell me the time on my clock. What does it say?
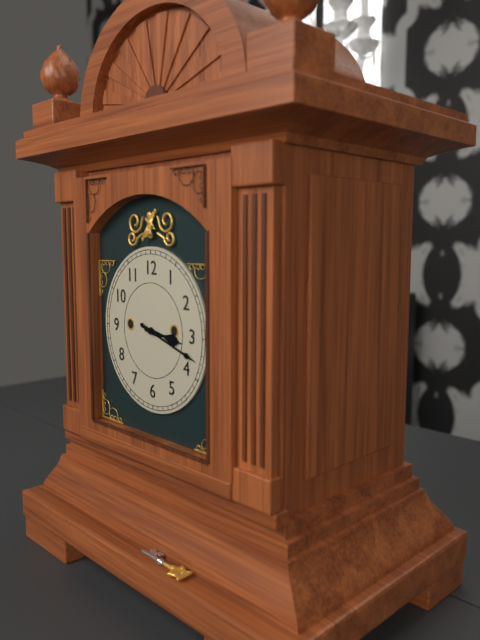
3:18
